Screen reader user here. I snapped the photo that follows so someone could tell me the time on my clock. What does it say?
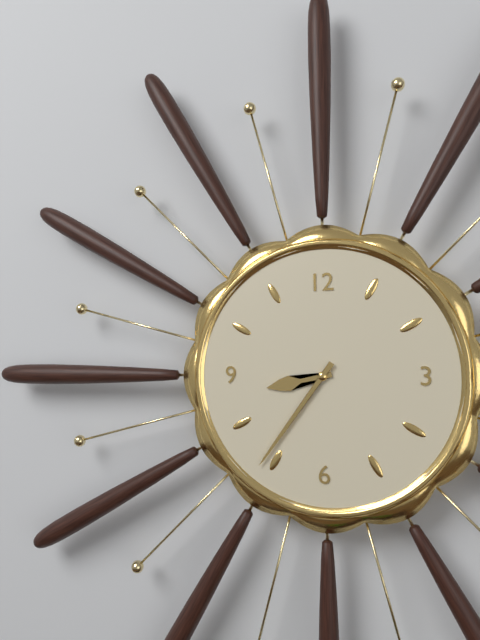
8:36
